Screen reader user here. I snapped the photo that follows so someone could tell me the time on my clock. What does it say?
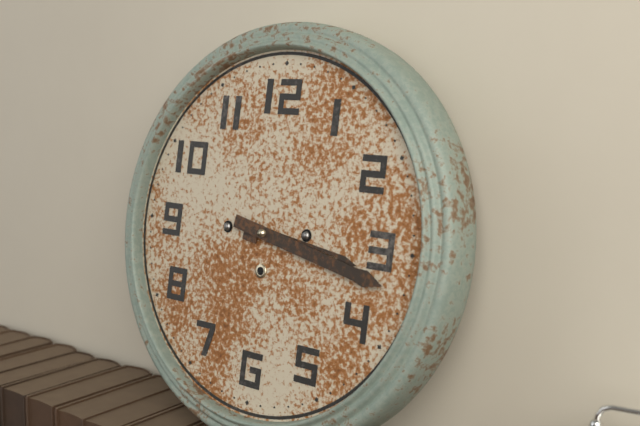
3:17
